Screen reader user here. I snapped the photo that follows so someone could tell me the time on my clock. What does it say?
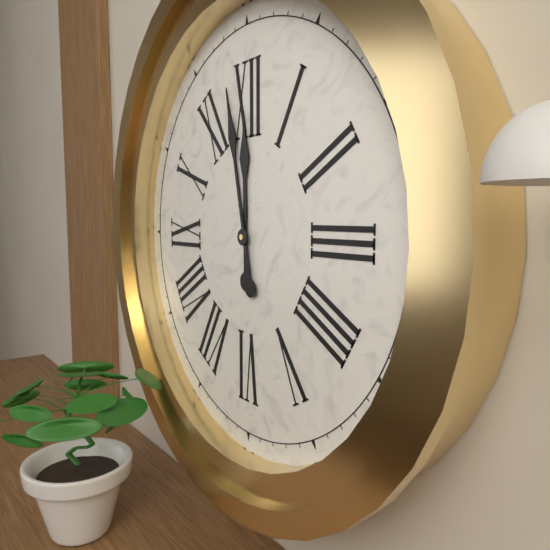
11:58
